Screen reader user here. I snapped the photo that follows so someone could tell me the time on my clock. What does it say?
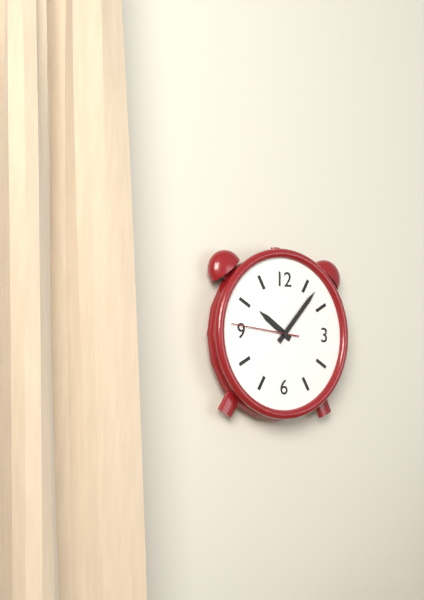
10:07:46
